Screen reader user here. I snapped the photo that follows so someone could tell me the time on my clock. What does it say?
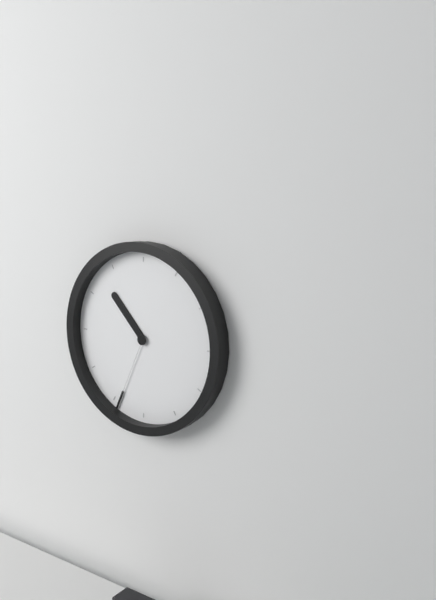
10:34
